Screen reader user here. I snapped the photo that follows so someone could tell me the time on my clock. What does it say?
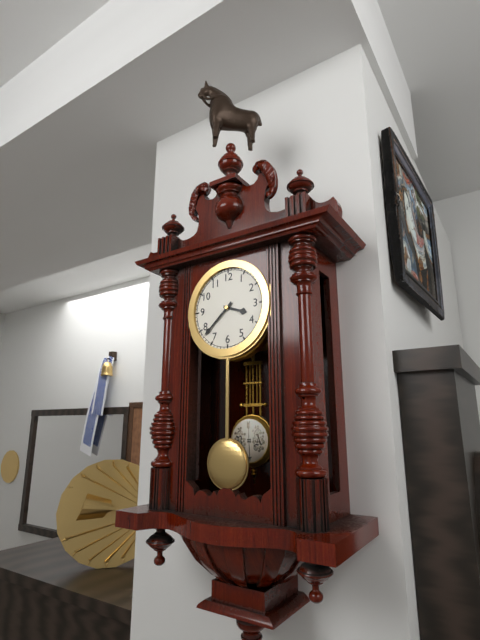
3:38
